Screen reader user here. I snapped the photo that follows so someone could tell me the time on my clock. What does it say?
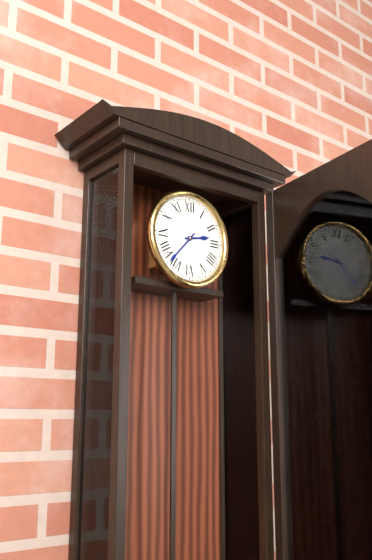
2:37
